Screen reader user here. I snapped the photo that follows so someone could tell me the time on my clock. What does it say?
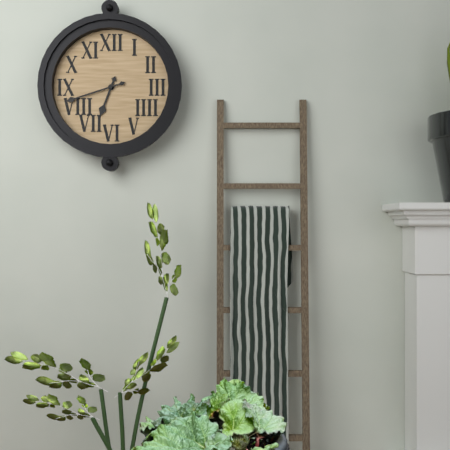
6:42
